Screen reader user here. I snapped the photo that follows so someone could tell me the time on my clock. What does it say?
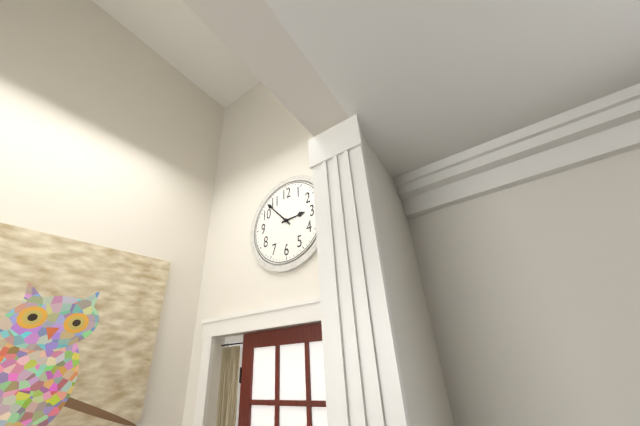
2:53
